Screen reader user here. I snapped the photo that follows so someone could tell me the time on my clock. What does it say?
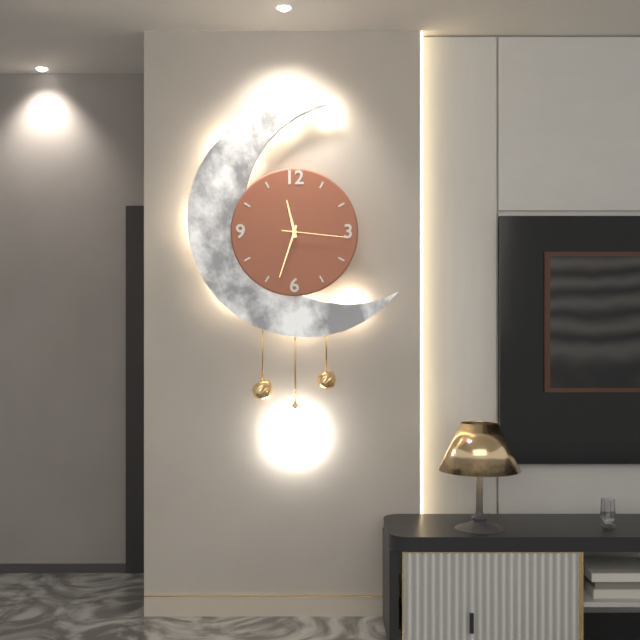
11:33:16
